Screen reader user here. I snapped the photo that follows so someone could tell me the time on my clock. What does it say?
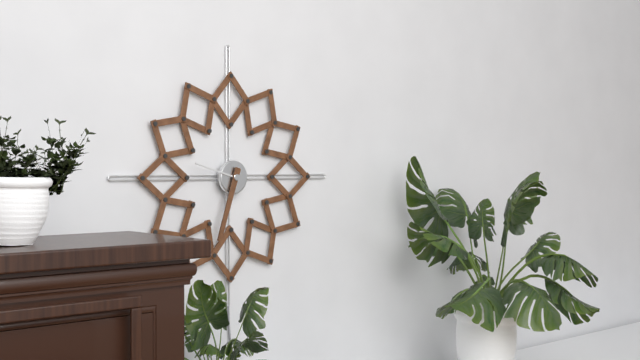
9:33
